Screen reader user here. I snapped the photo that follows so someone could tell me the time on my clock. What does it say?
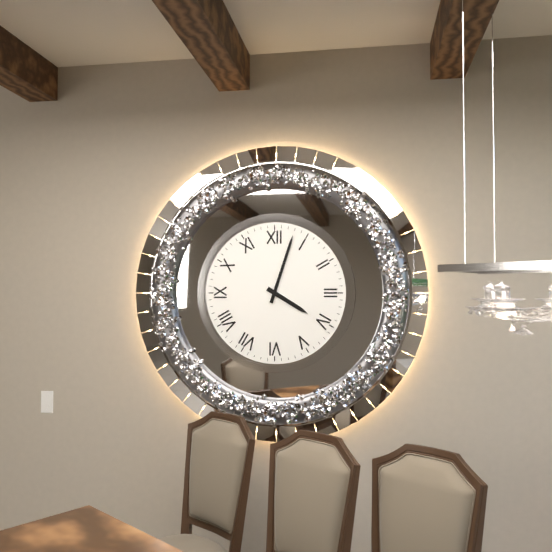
4:03
